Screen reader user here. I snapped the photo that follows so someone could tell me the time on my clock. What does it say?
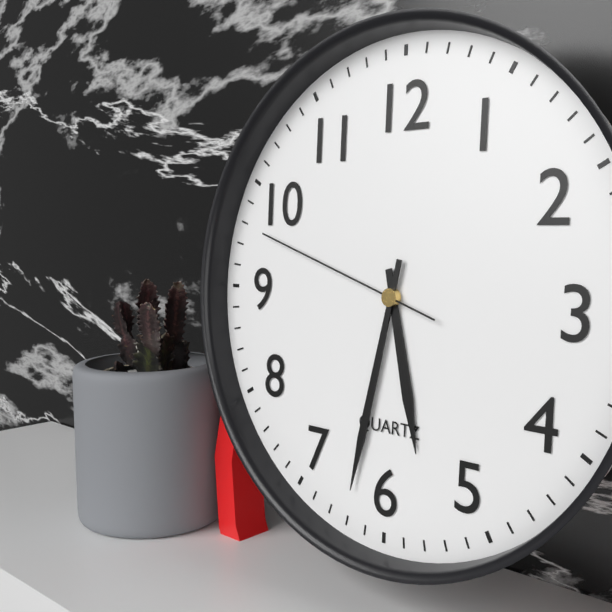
5:32:48
